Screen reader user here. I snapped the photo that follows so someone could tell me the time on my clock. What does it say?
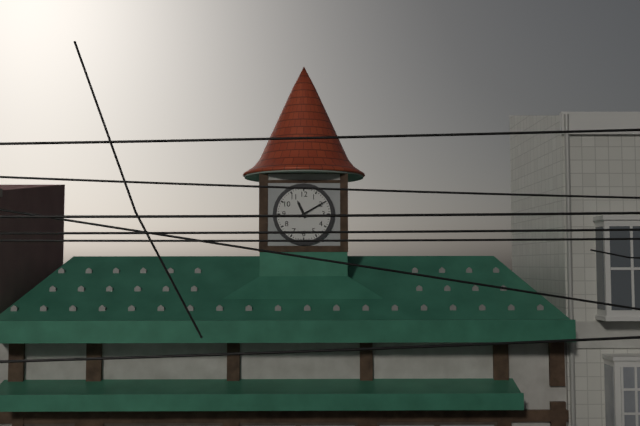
11:10
